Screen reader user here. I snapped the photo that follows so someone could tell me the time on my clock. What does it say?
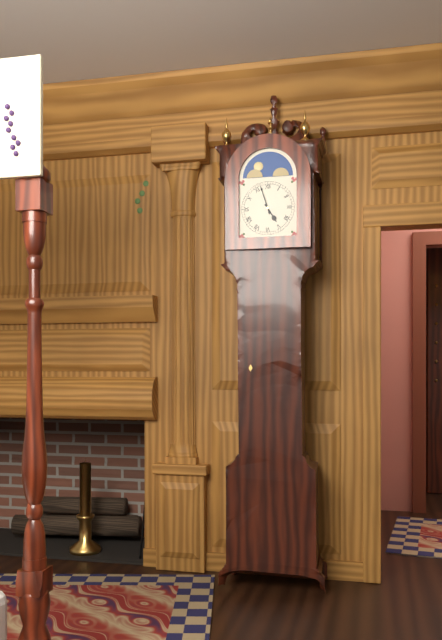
4:57
